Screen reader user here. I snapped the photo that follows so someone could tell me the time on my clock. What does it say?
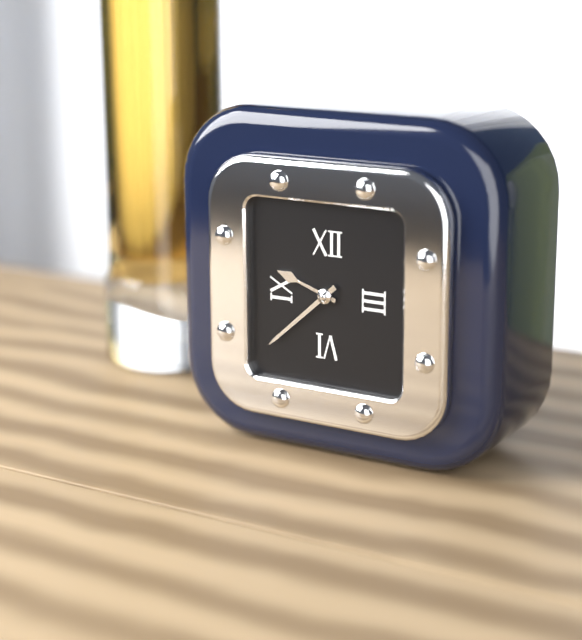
9:38
